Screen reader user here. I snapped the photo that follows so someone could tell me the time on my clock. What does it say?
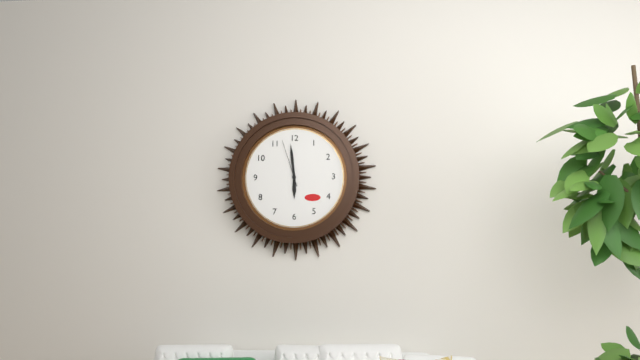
5:59
